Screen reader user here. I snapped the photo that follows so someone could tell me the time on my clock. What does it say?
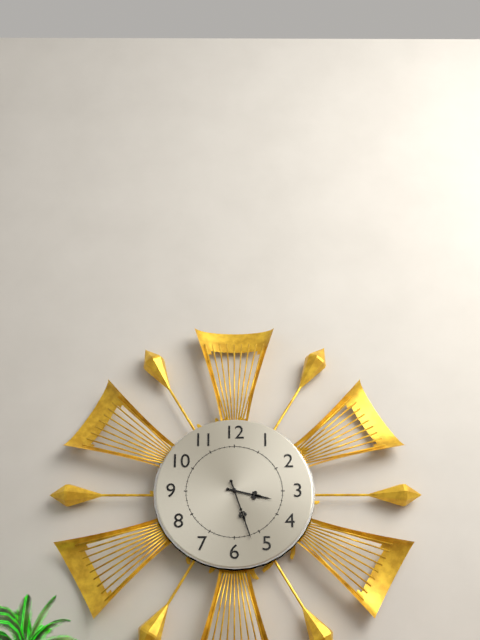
3:27
